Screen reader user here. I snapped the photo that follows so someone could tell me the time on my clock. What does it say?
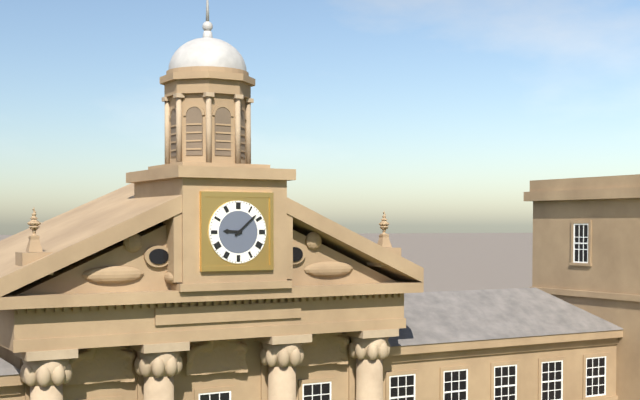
9:08
